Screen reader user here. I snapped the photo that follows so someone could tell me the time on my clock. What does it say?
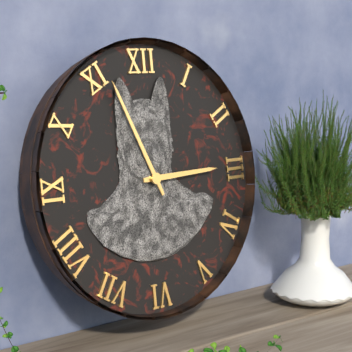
2:56
